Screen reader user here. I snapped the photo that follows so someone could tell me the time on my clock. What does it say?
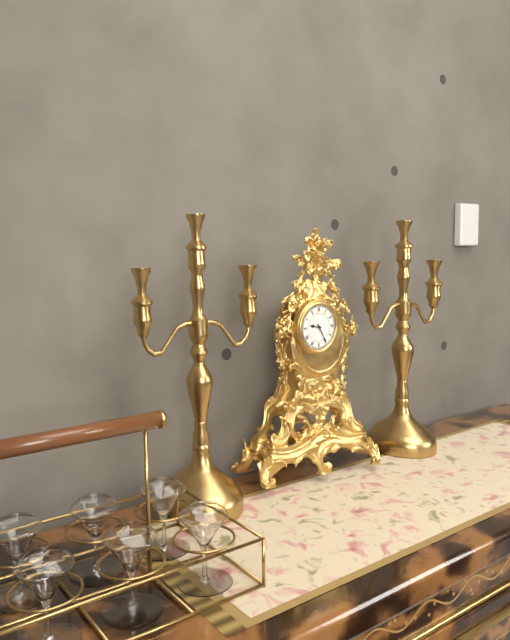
9:25
